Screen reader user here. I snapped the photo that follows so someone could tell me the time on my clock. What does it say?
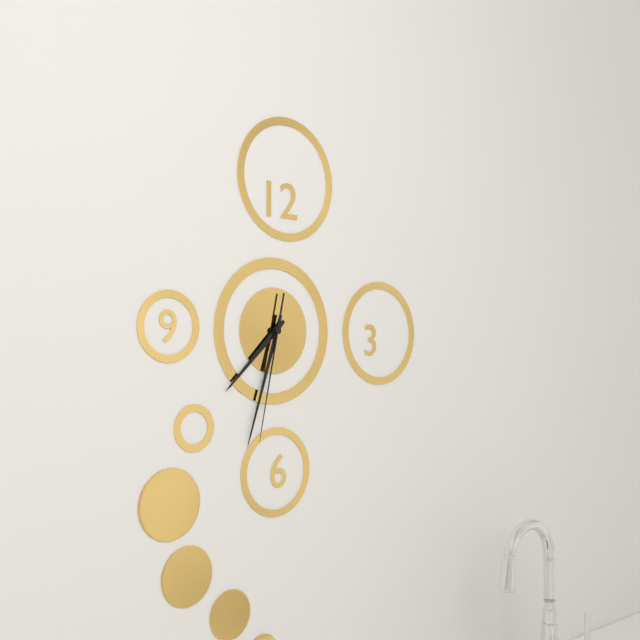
7:33:32
